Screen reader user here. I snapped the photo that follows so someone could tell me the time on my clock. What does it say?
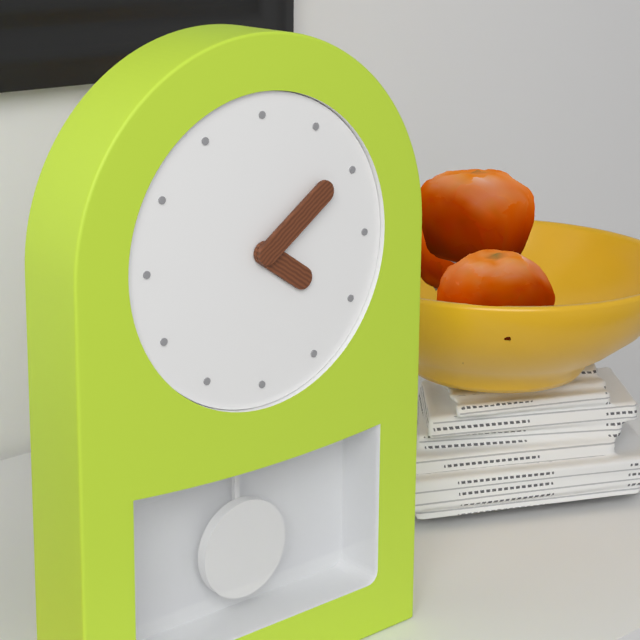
4:09
